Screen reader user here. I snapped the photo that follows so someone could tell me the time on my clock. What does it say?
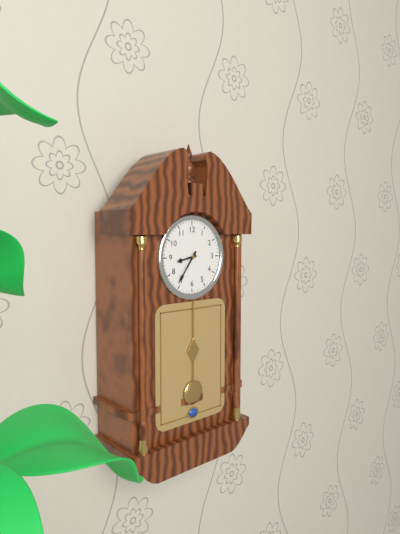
8:36
